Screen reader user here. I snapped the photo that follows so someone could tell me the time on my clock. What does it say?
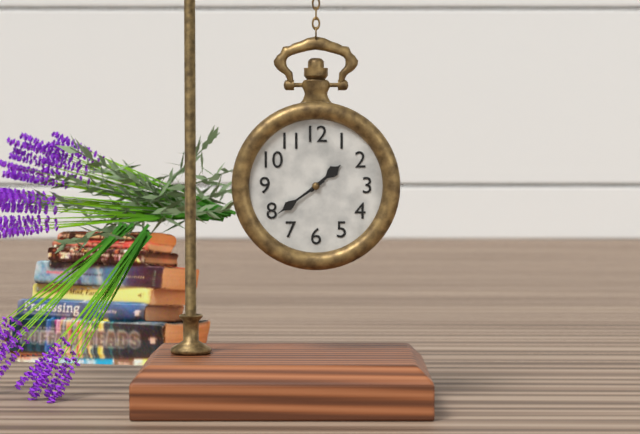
1:39
